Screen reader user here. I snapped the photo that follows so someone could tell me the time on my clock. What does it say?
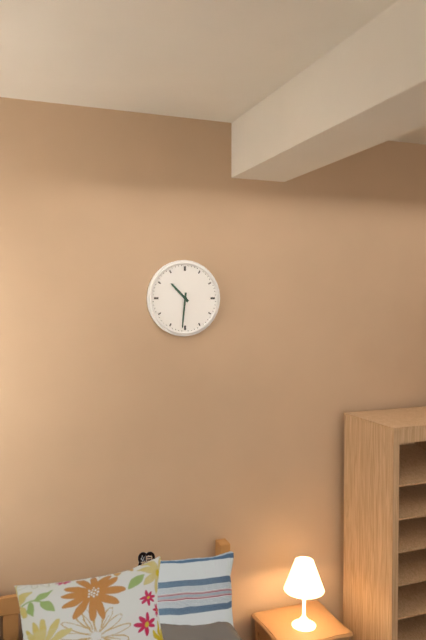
10:31
